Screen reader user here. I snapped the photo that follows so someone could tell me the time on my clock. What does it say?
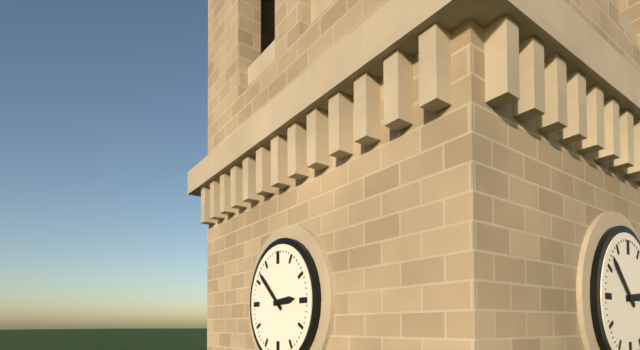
2:52
